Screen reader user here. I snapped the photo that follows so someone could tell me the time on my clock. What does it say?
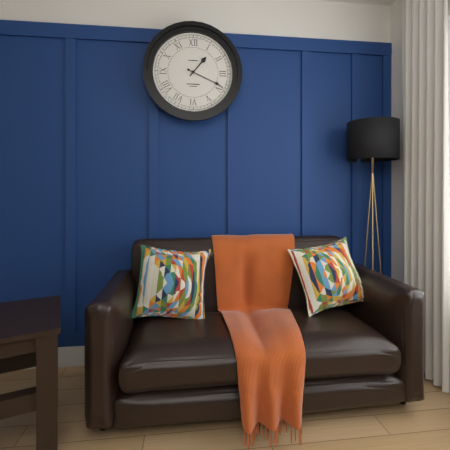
1:19
